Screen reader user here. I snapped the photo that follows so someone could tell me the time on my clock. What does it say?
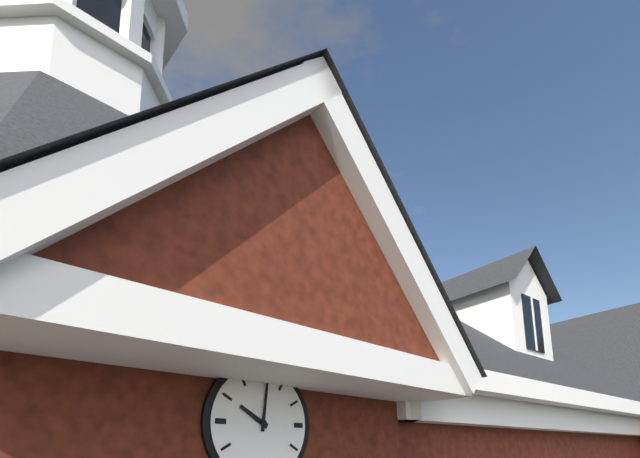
10:01
